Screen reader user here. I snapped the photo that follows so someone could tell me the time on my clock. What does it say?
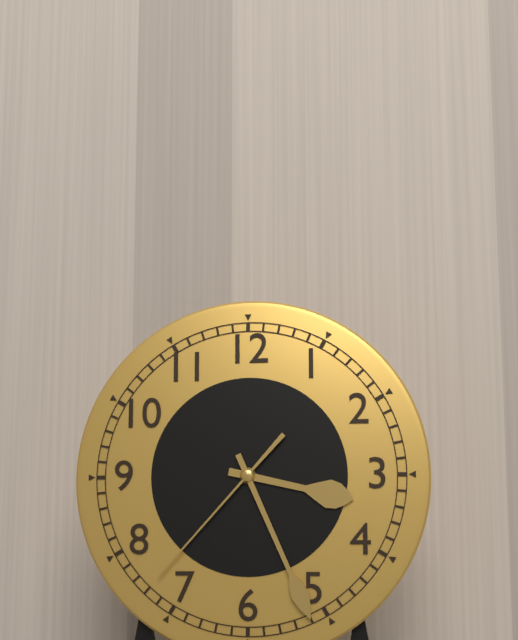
3:26:37
